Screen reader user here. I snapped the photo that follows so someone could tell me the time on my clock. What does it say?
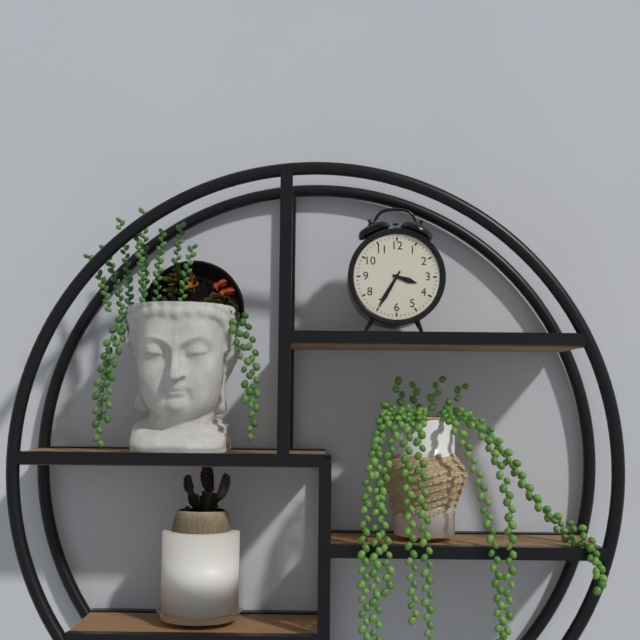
3:35
